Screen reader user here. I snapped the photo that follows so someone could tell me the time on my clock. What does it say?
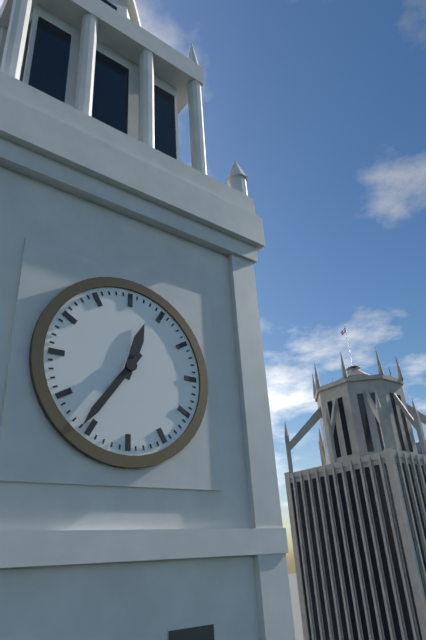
12:36
